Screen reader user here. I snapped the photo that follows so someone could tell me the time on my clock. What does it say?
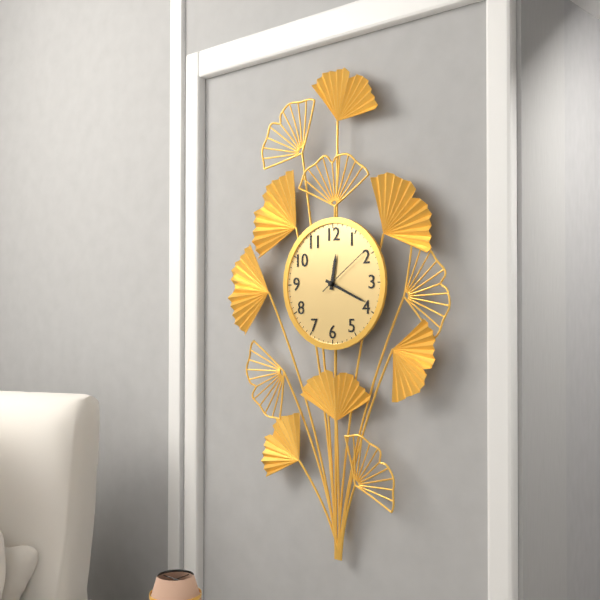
12:19:09
